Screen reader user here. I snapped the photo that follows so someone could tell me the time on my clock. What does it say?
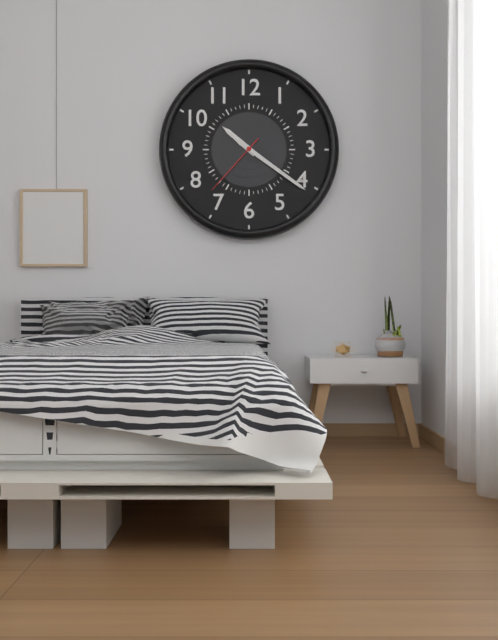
10:21:37
